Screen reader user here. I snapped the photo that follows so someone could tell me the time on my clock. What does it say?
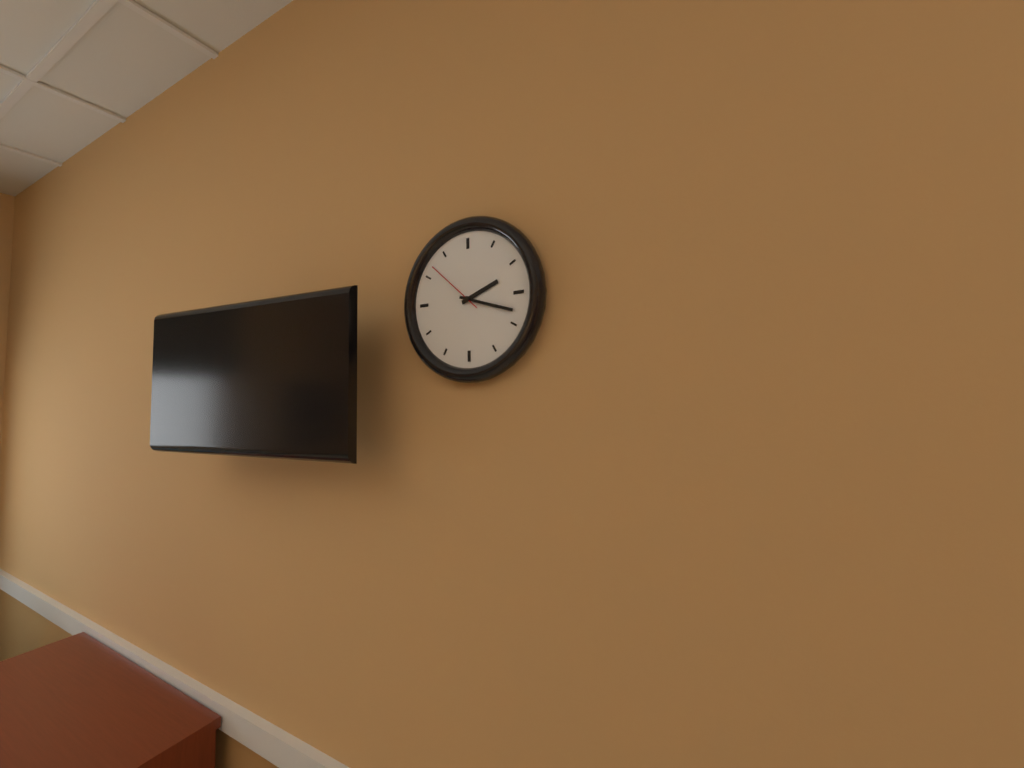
2:18:52
